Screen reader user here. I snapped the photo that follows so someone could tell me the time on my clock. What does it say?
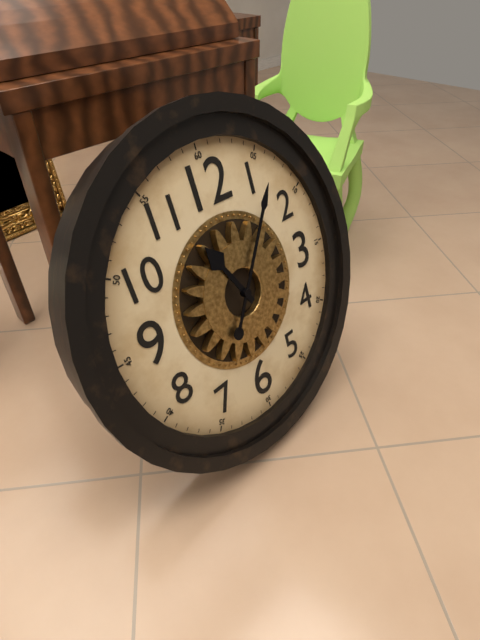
11:06
